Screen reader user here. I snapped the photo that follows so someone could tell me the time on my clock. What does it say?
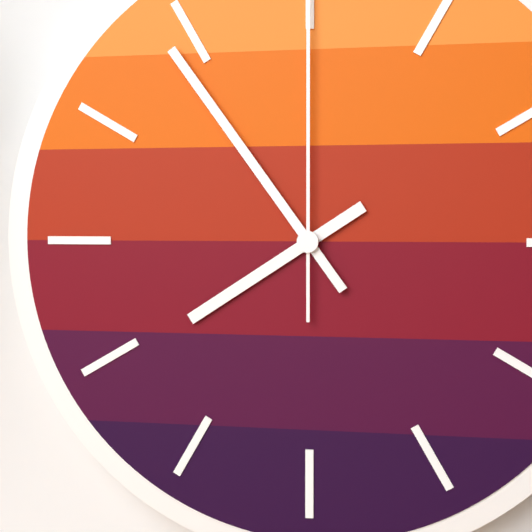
7:54
